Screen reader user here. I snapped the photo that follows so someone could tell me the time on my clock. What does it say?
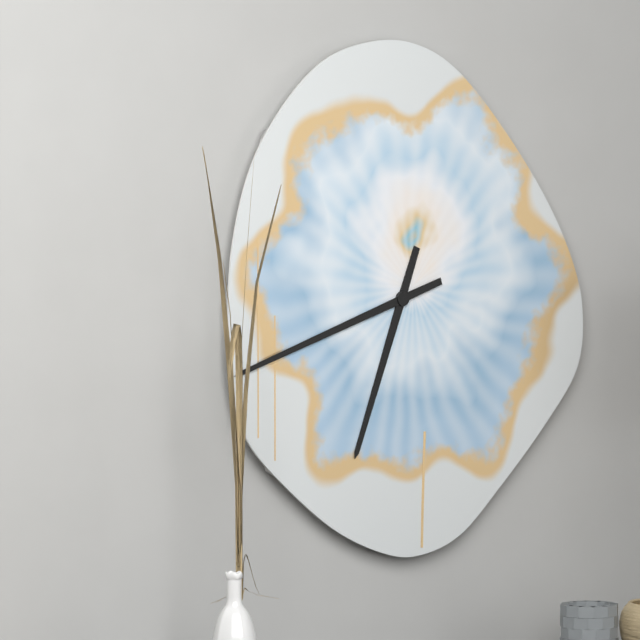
6:42
